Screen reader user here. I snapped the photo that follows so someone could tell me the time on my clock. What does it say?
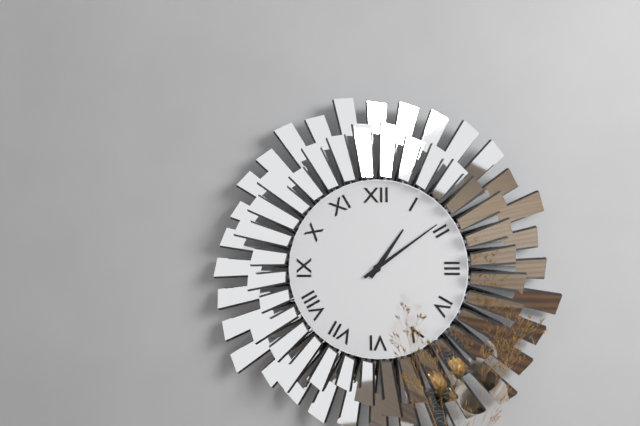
1:09
